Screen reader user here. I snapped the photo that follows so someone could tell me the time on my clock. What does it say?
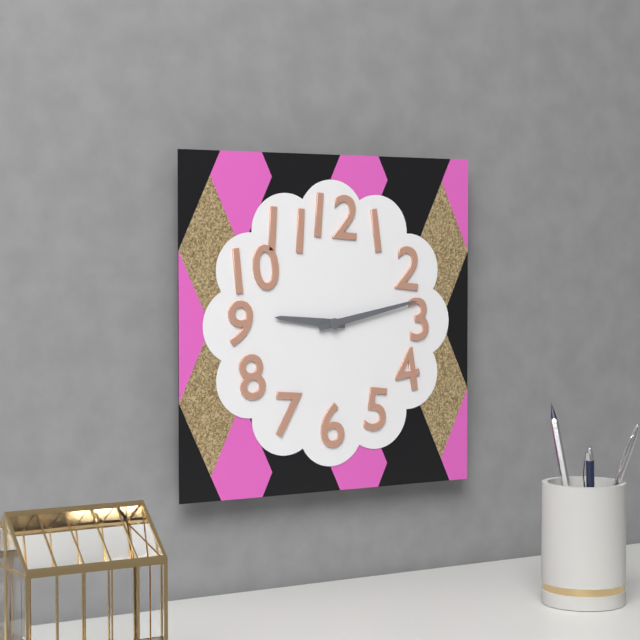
9:13
